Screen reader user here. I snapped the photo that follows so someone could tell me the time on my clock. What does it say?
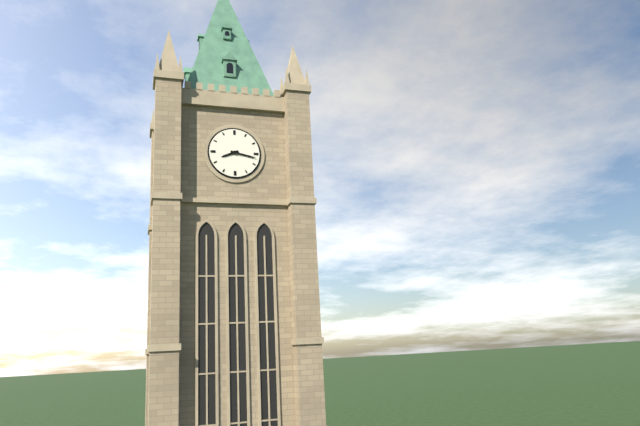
8:17
